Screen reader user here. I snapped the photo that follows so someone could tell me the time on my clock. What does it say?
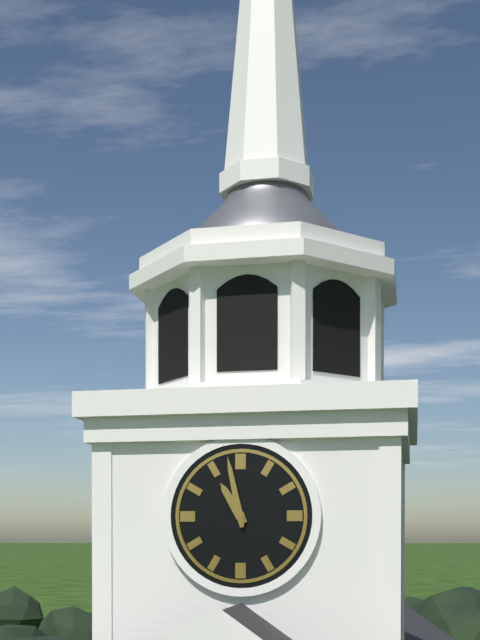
10:58
